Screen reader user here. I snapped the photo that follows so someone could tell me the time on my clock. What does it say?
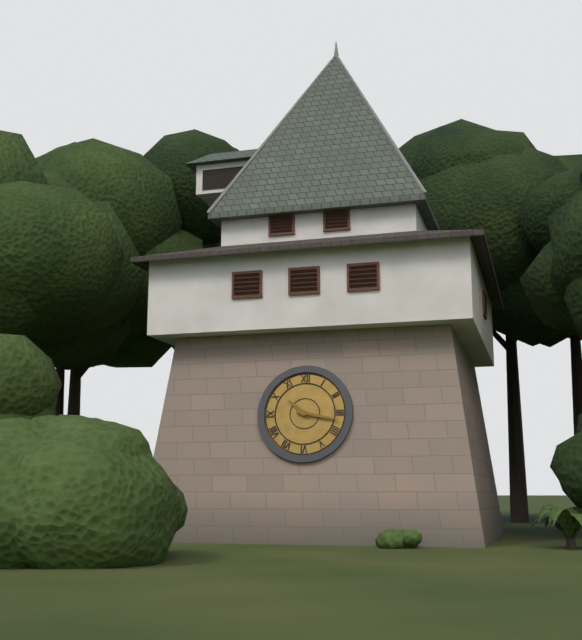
10:17
